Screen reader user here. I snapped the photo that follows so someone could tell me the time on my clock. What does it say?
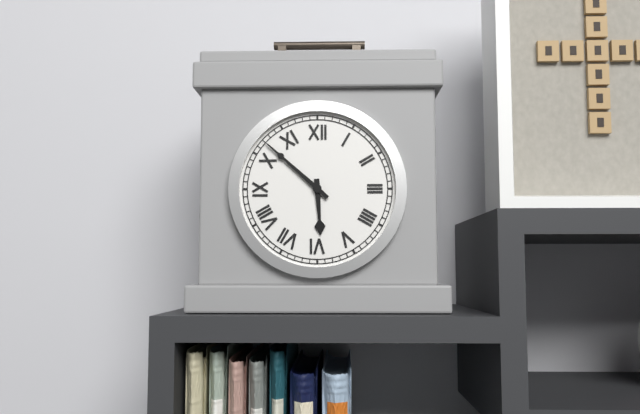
5:52
